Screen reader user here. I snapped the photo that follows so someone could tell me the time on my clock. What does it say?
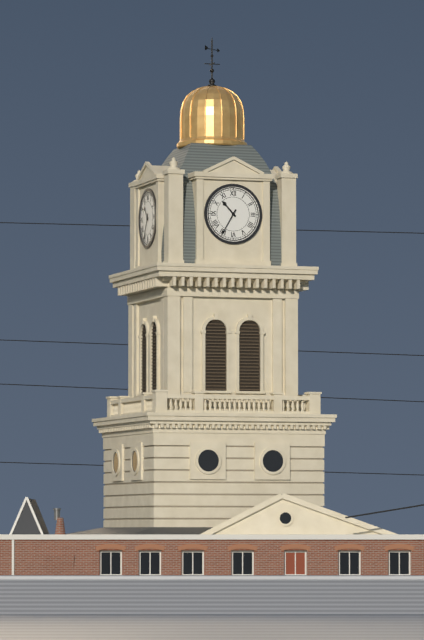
10:35
